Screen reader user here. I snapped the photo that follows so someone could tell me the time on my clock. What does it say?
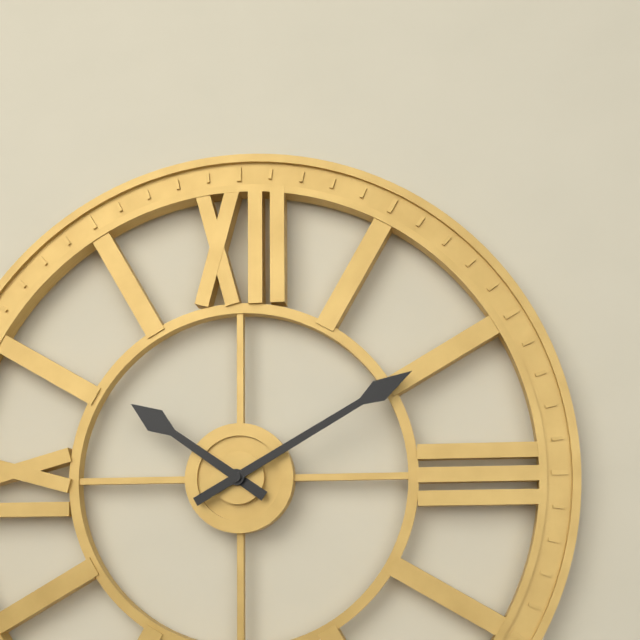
10:10
